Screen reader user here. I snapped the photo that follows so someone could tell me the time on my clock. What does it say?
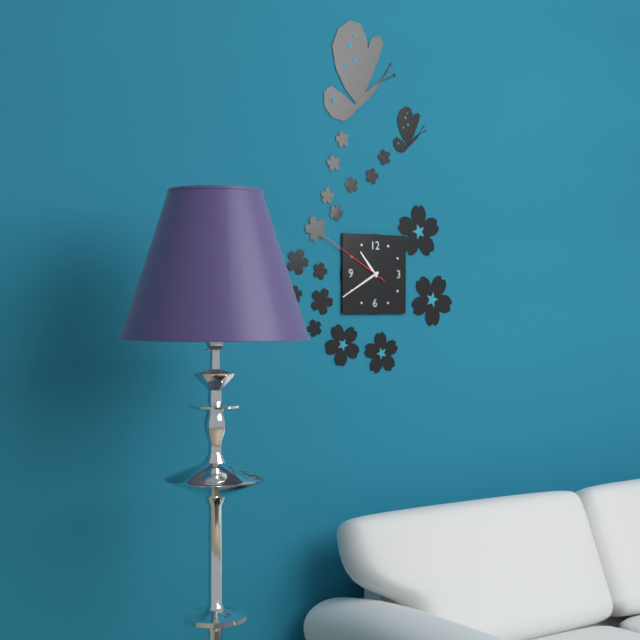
10:40:50
